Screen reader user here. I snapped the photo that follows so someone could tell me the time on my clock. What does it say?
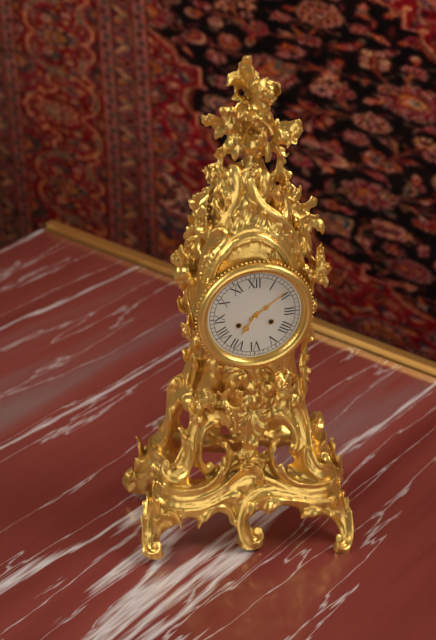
7:09
